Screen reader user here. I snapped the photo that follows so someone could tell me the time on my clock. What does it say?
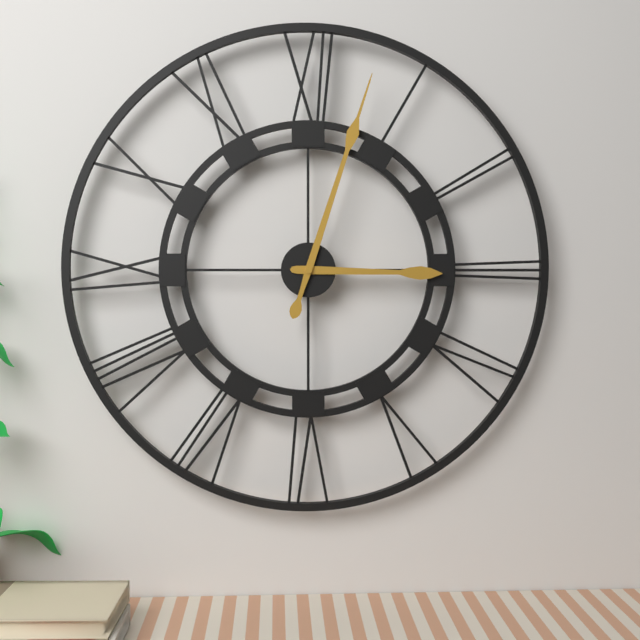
3:03
